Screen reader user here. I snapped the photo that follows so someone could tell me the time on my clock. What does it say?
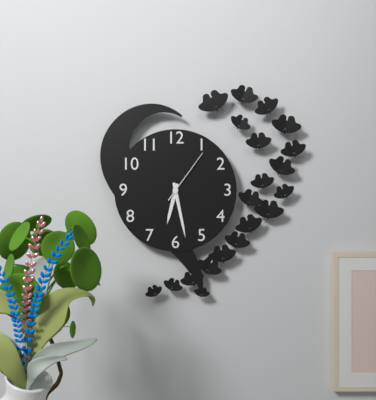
6:28:06
